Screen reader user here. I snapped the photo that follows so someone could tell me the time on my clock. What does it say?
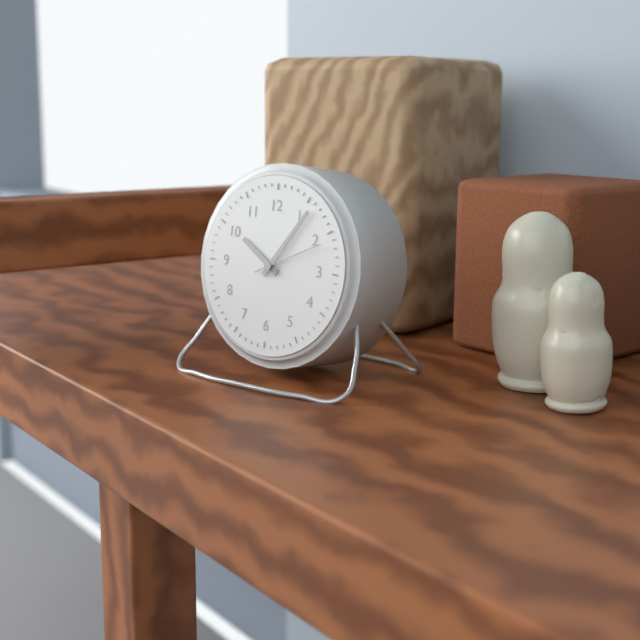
10:06:11
